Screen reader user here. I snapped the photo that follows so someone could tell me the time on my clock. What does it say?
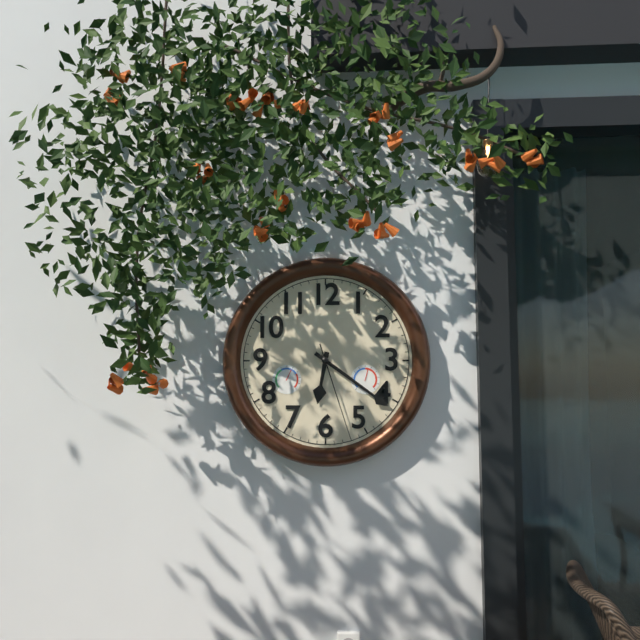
6:21:27
